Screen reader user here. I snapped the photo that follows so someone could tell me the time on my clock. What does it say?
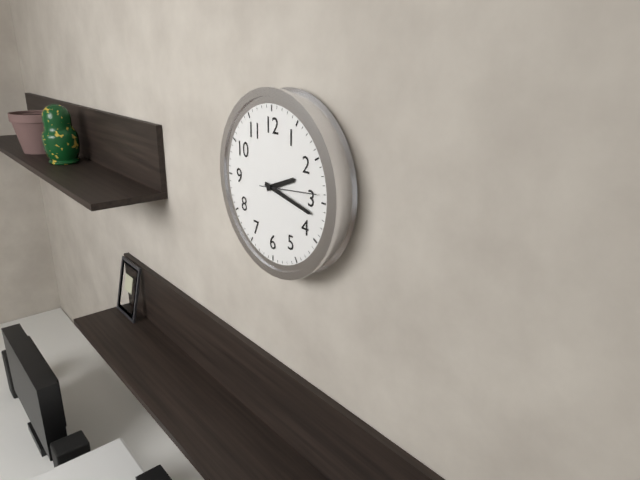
2:17:14
